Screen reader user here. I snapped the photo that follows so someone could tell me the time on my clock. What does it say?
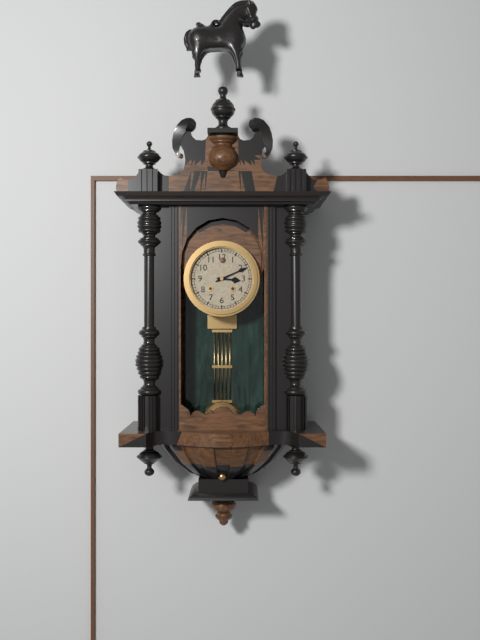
3:11
